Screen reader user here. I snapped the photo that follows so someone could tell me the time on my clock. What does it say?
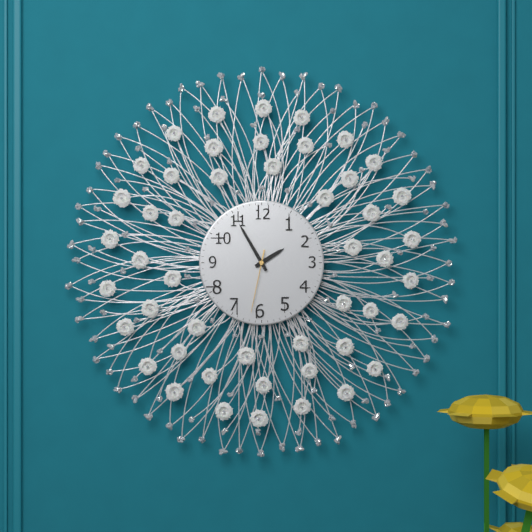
1:55:32
